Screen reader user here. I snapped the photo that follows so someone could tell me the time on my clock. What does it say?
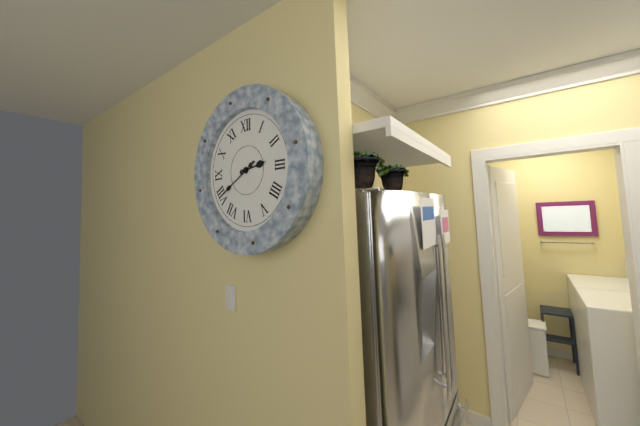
2:40
